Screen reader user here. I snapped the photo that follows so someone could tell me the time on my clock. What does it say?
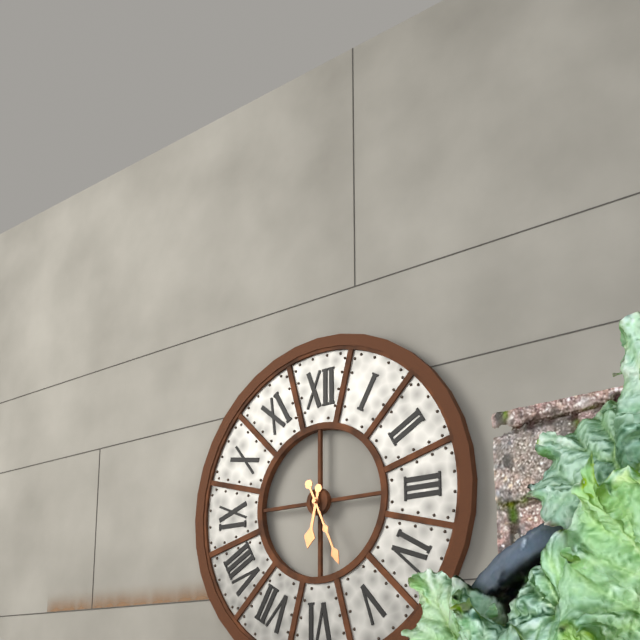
6:26
